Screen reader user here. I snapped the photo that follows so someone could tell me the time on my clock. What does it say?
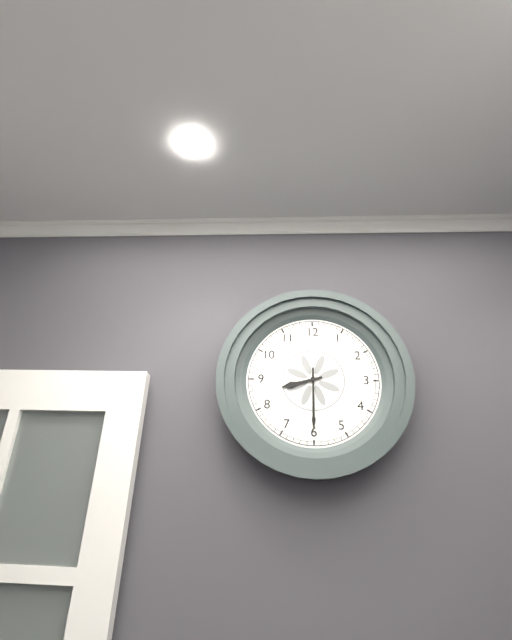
8:30
